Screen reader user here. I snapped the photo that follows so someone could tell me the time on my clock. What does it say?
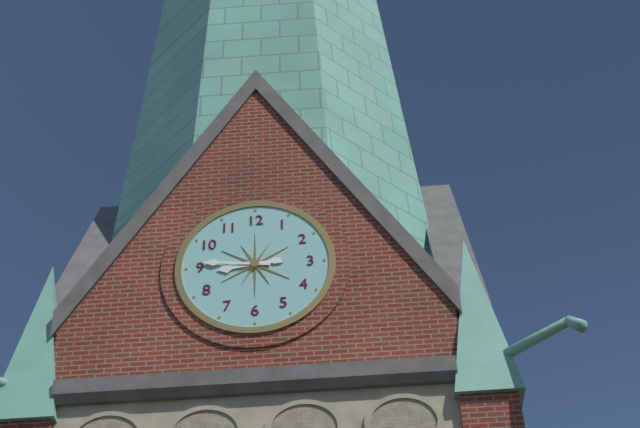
8:46
